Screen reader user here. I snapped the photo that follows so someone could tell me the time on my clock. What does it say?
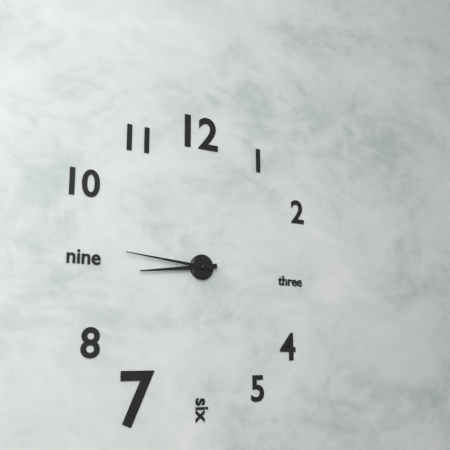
8:46
